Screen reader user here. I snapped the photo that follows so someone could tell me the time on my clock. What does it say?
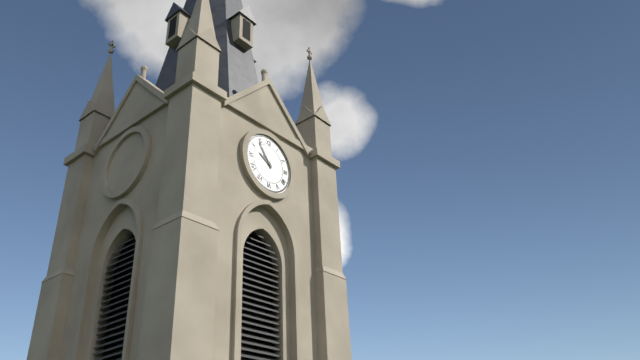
9:54
